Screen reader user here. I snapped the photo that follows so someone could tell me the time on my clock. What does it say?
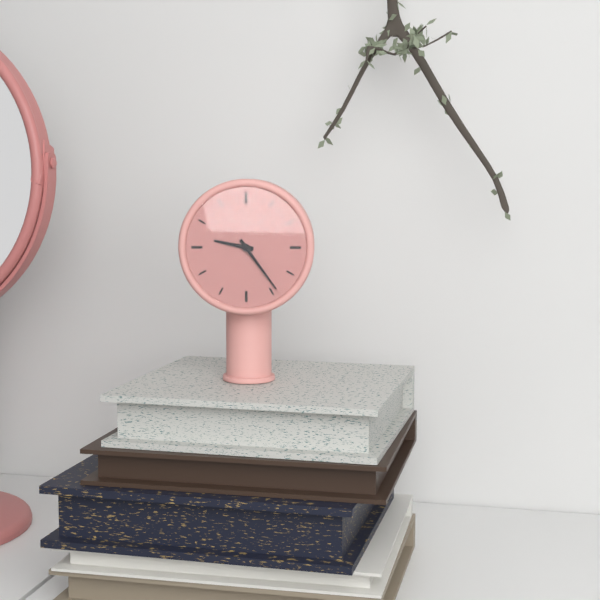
9:24
